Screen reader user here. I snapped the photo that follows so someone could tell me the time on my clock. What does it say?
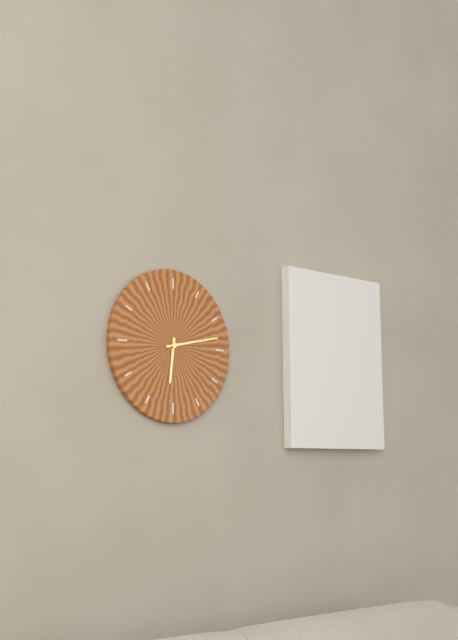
6:13
